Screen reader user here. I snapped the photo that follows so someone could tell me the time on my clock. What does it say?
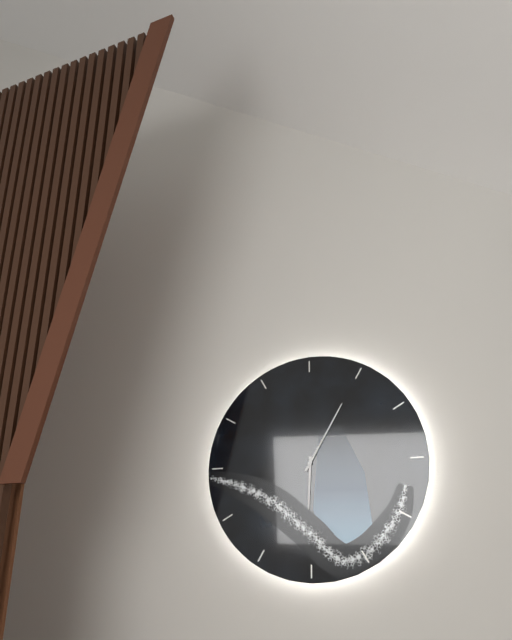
6:05
